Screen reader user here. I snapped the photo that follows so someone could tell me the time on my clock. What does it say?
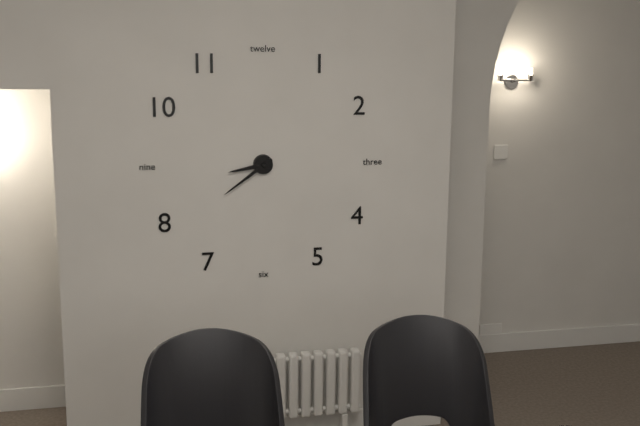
8:39
